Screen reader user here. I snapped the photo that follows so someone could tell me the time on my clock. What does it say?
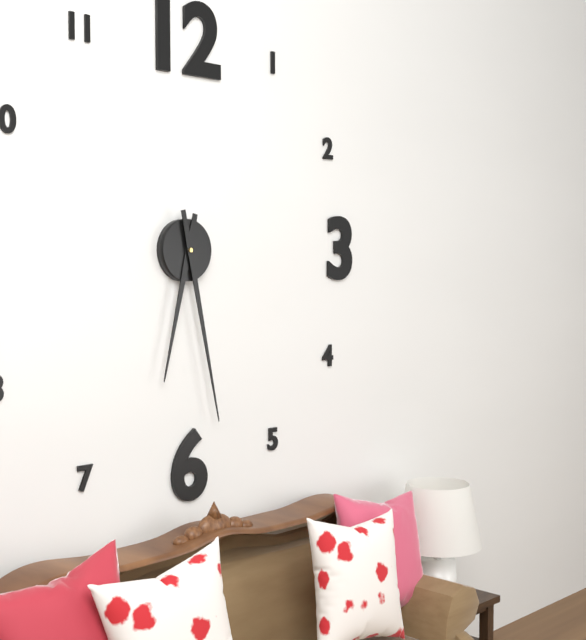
6:28
